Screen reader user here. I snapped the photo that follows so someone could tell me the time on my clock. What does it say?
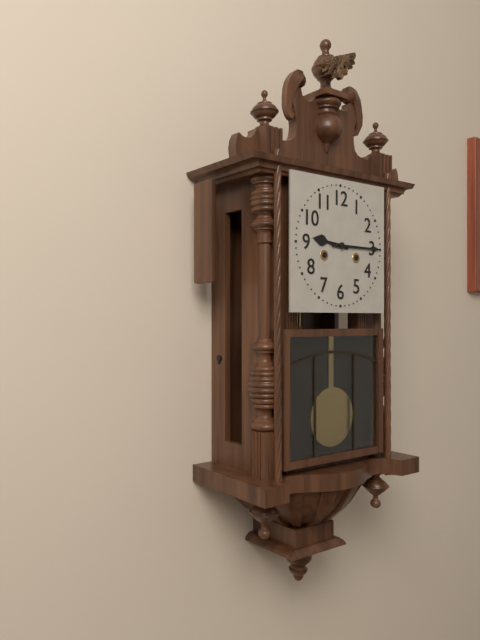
9:15
